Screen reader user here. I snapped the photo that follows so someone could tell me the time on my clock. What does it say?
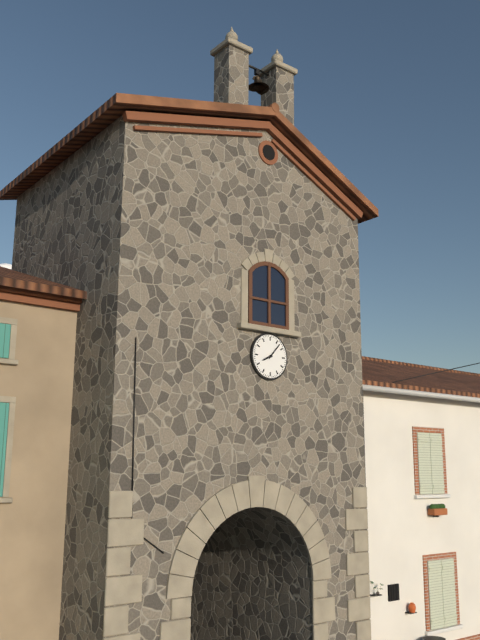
8:07
